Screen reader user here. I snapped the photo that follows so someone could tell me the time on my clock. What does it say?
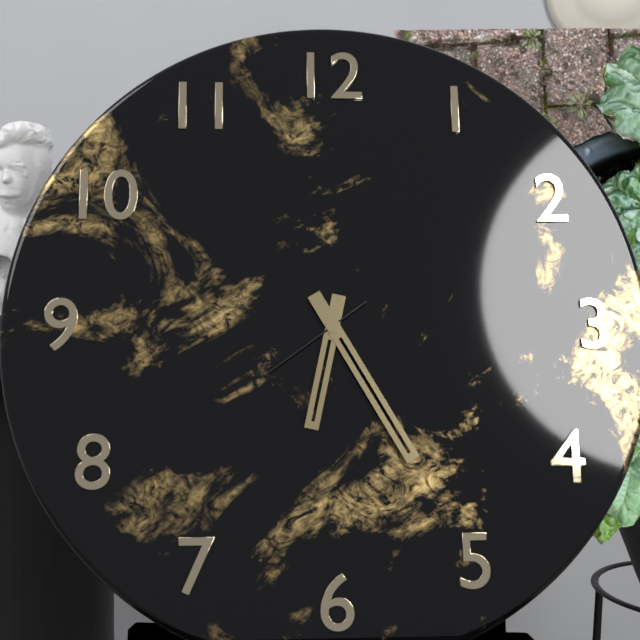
6:25:39
